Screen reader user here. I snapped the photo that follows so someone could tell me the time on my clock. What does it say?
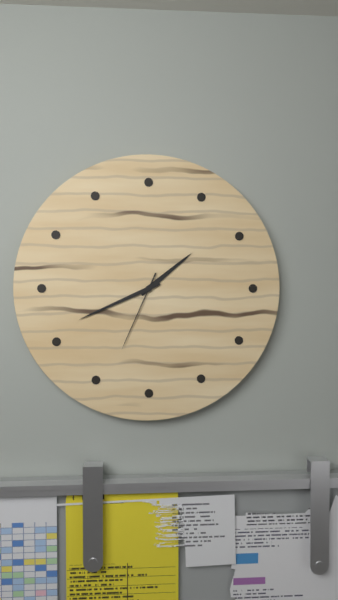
1:41:34
